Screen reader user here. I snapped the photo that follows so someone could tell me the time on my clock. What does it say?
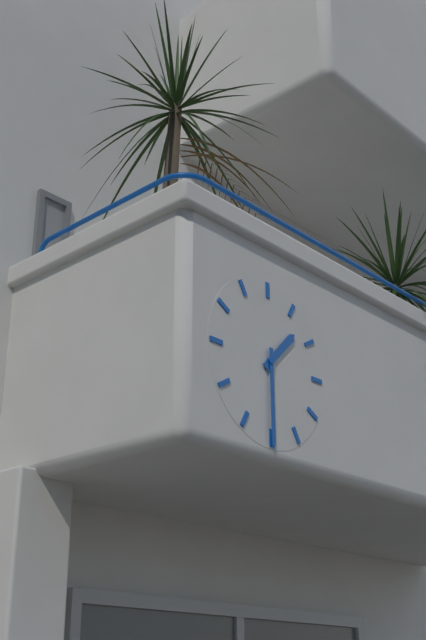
1:30
